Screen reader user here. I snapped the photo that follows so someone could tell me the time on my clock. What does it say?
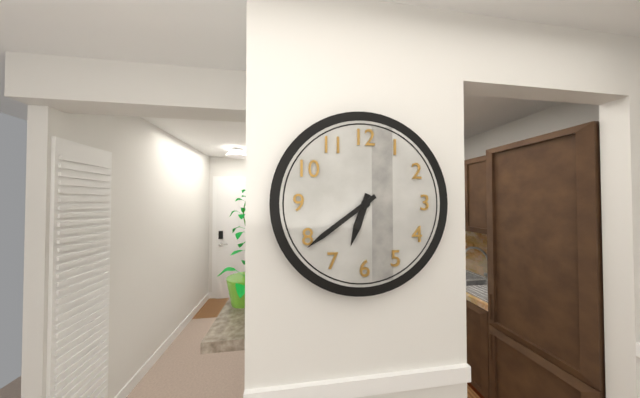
6:39
